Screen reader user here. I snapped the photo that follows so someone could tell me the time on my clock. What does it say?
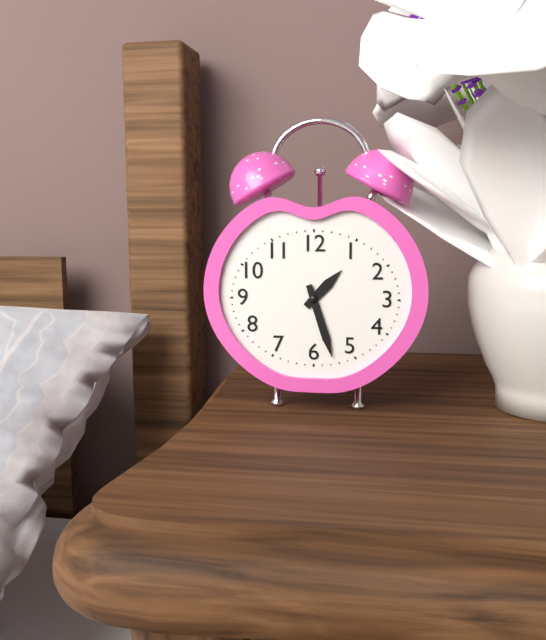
1:27
